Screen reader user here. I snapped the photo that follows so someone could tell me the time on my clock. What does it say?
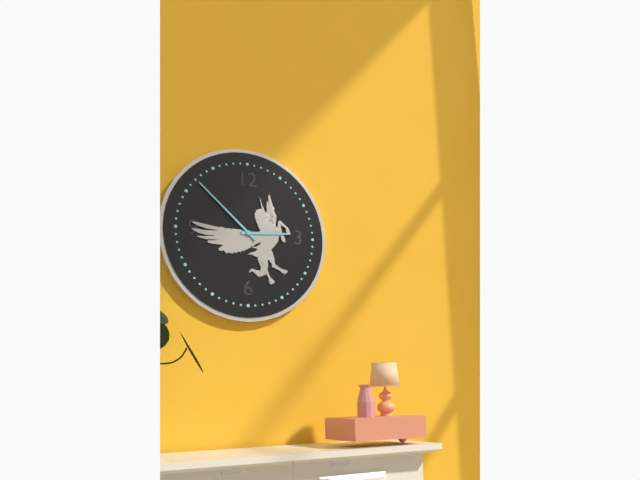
2:52
